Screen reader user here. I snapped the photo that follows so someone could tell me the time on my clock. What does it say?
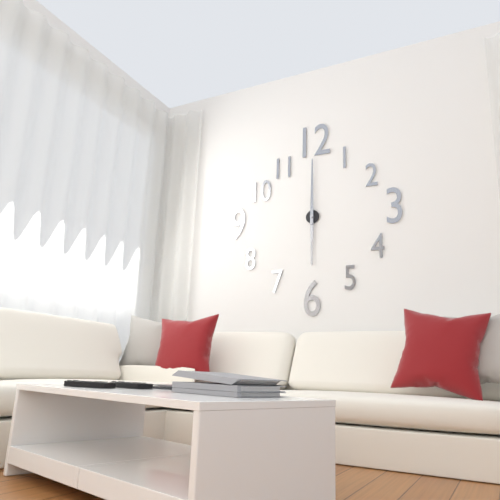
6:00
